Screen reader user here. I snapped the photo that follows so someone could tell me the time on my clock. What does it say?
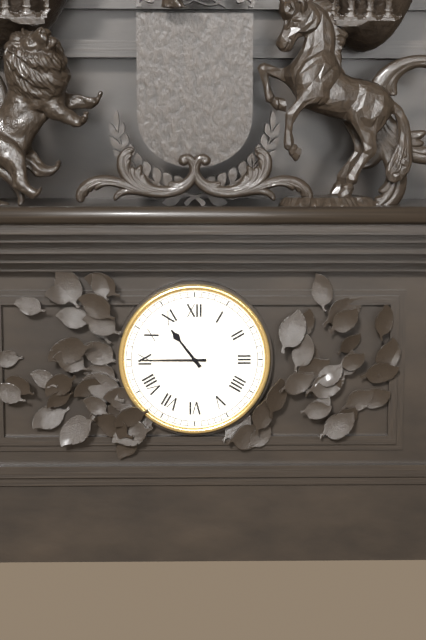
10:45
